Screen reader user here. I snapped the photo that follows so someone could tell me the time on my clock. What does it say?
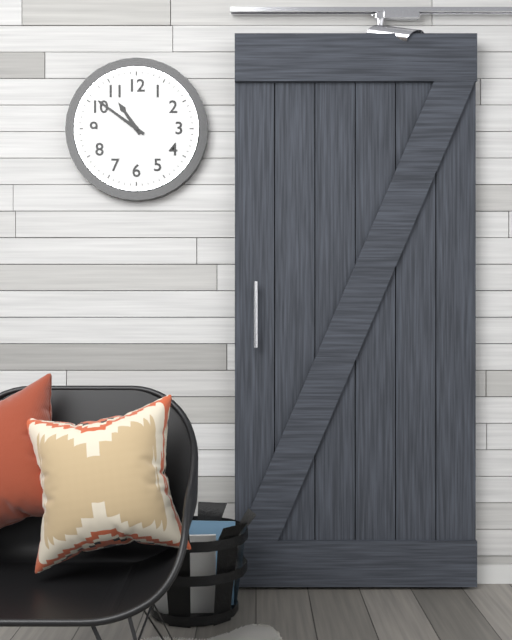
10:51
